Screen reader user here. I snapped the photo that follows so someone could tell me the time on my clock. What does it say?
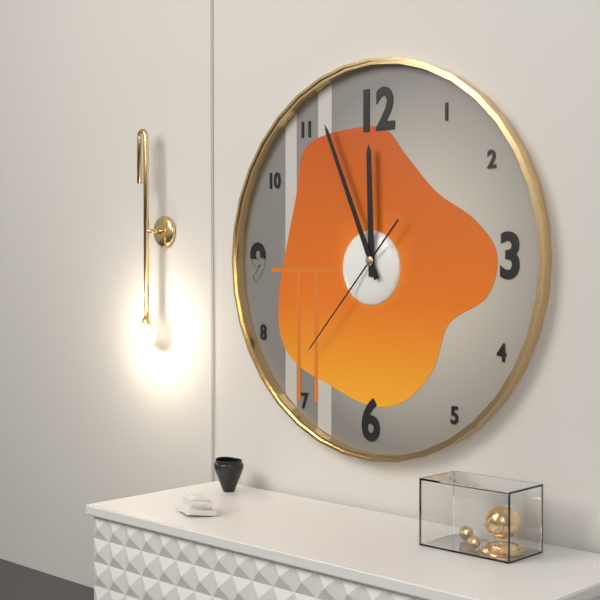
11:56:37
